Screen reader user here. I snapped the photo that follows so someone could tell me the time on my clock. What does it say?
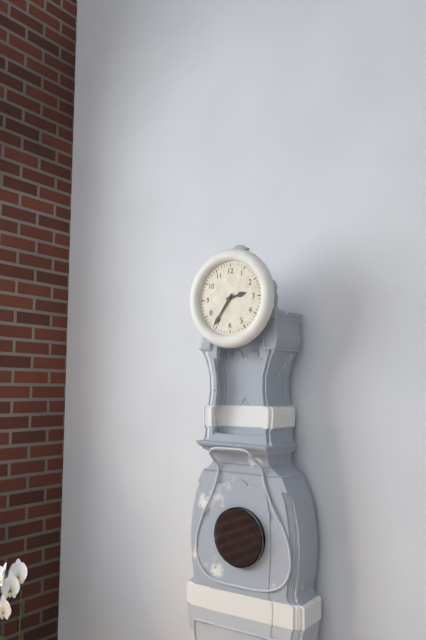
2:36
